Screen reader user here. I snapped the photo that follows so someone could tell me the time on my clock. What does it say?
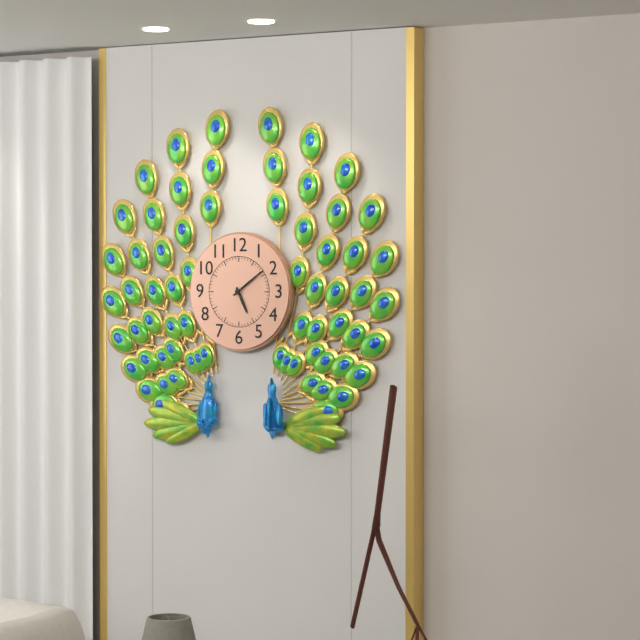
5:09
